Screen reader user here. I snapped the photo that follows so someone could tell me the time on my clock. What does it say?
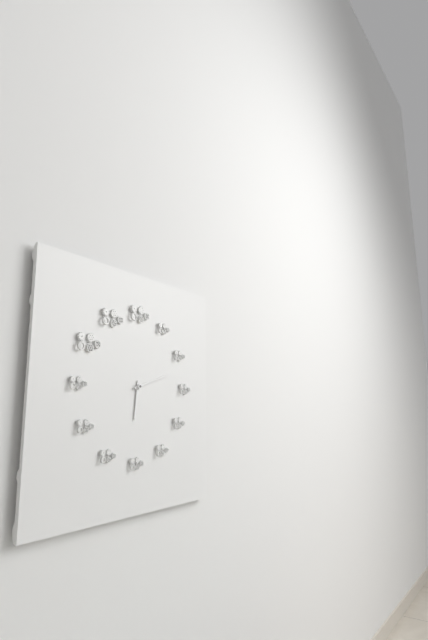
6:12
